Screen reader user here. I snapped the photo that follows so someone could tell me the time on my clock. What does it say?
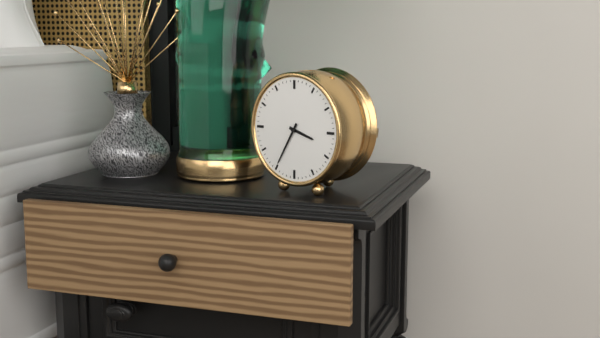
3:35
